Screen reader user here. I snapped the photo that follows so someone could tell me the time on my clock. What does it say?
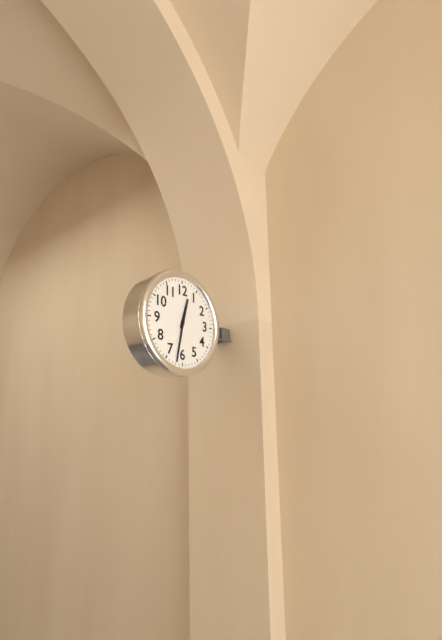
12:32
